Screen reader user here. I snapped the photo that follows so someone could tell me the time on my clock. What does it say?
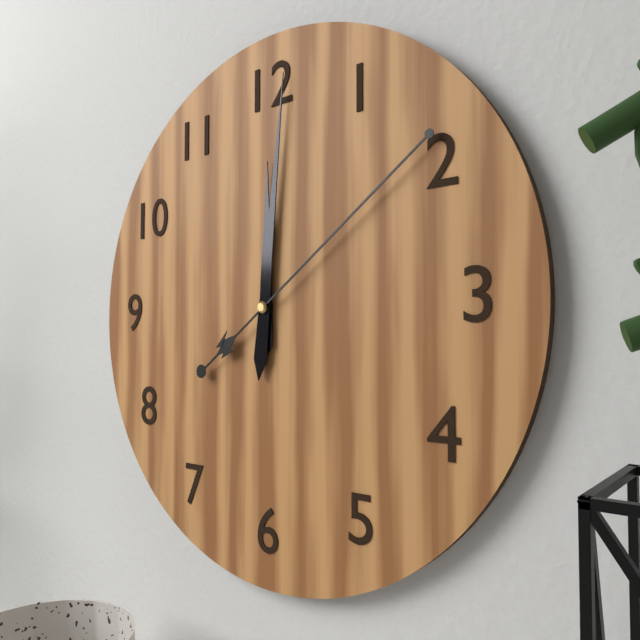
12:01:09
